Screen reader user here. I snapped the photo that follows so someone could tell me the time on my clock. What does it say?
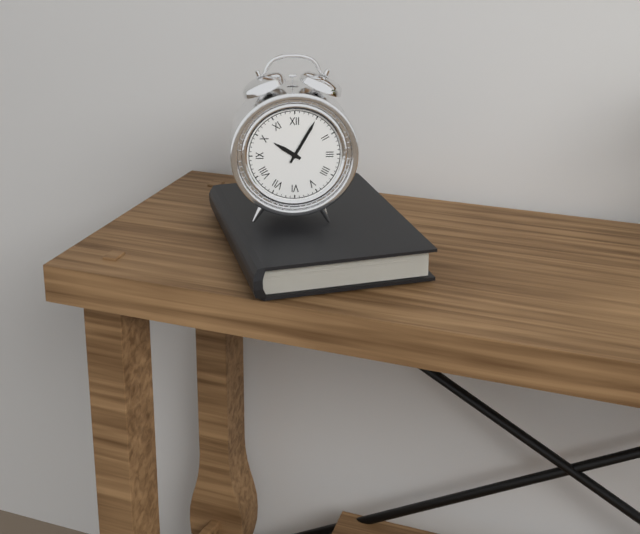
10:05
